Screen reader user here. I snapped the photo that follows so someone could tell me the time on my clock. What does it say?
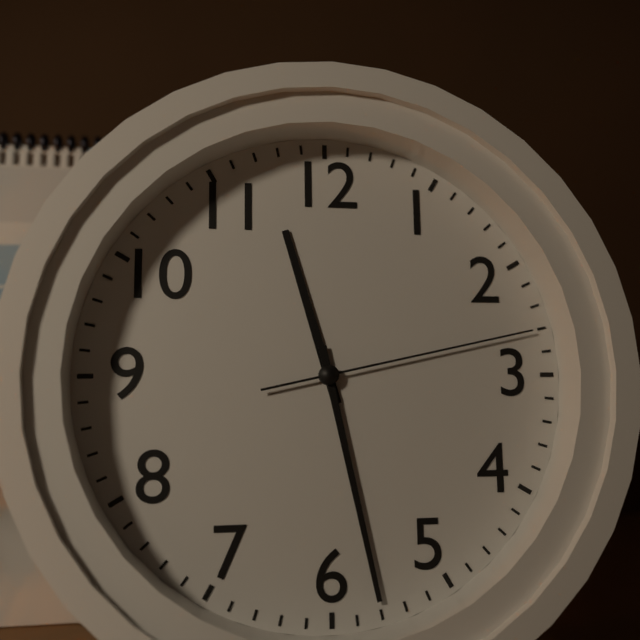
11:28:13
